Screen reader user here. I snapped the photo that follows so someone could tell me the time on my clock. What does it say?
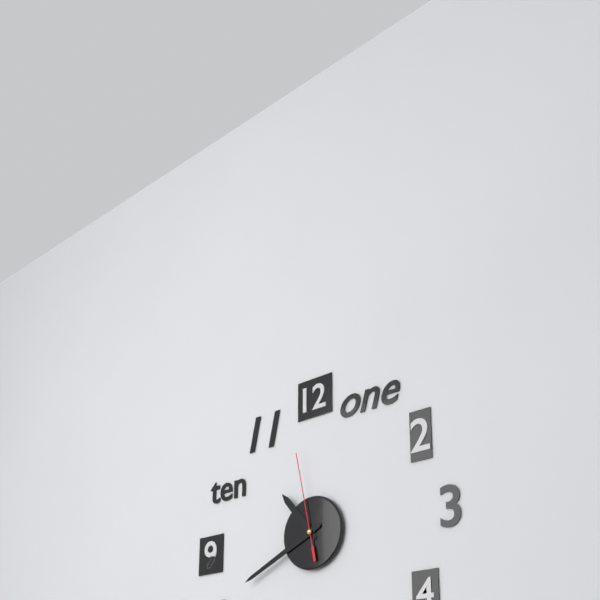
10:41:58
